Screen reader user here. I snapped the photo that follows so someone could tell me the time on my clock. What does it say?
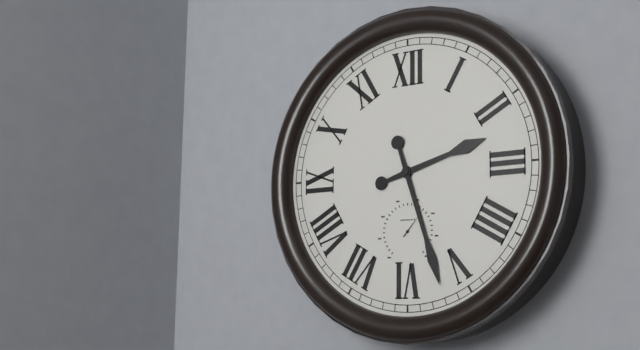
2:27
